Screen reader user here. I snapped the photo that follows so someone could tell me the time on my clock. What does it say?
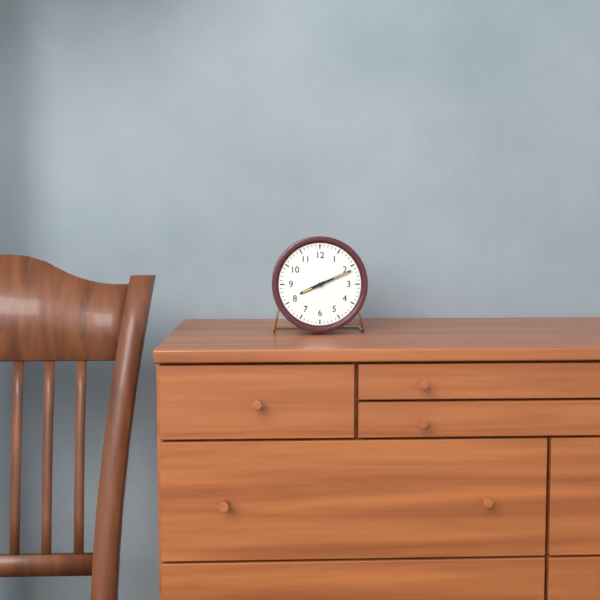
8:11
